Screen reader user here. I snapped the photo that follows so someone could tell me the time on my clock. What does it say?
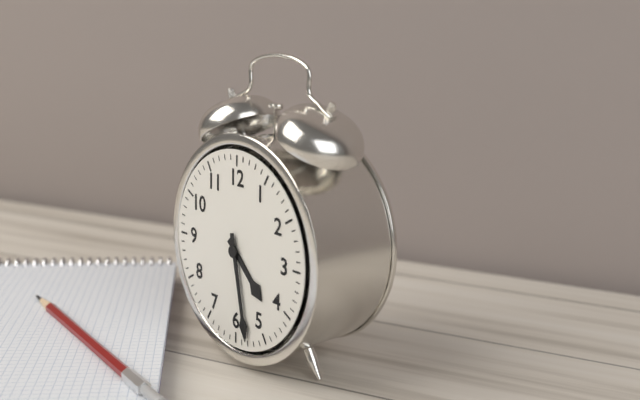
4:28
